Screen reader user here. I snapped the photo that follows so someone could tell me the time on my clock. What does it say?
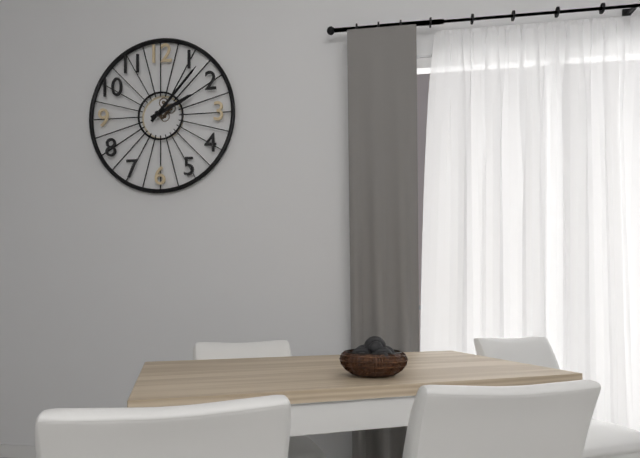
2:07
